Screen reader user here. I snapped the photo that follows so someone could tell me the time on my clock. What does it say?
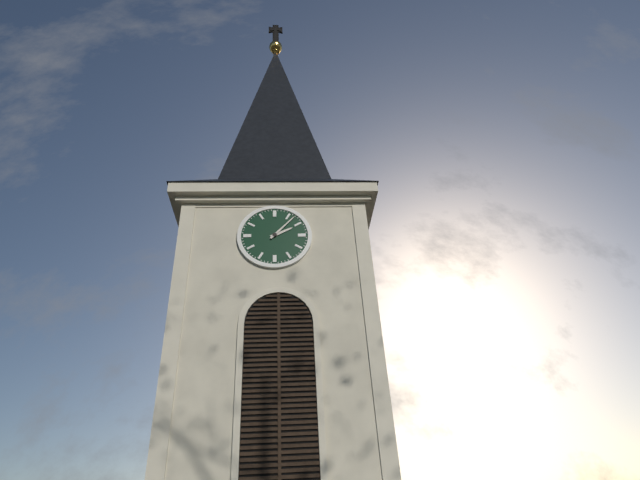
2:07
